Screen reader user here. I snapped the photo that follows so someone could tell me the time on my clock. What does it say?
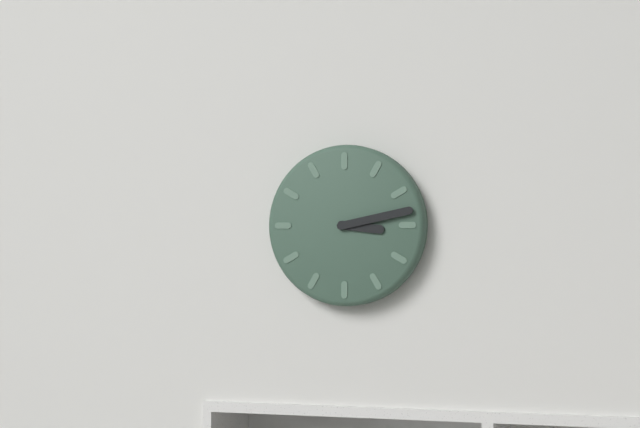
3:13
